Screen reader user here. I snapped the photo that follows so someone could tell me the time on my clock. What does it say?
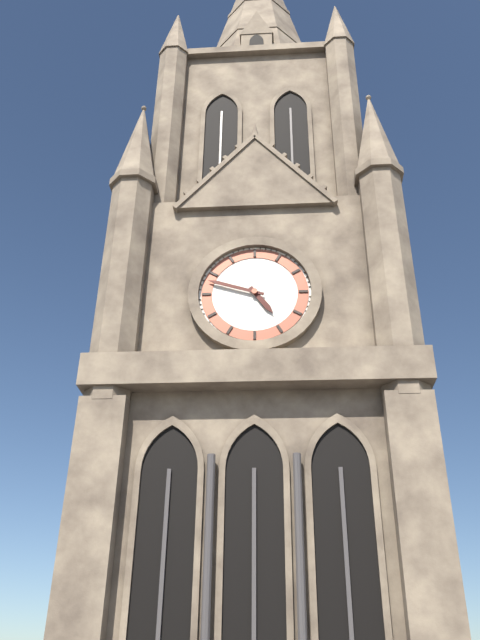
4:48
